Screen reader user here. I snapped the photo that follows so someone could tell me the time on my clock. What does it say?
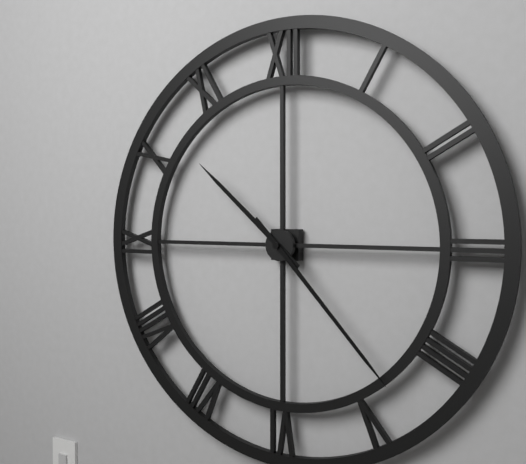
10:23
